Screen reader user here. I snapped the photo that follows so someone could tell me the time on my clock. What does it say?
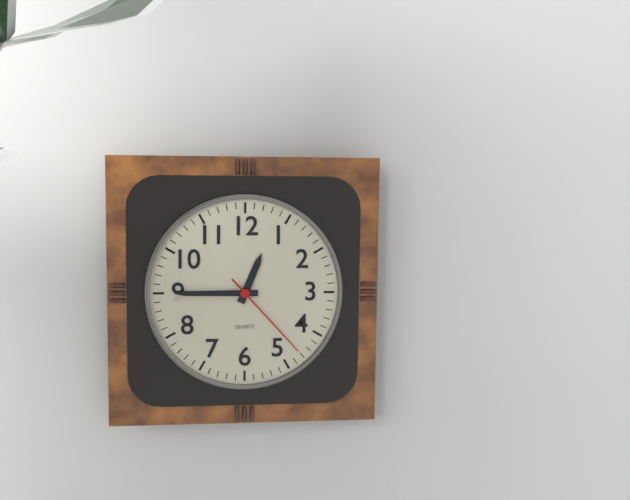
12:45:23
